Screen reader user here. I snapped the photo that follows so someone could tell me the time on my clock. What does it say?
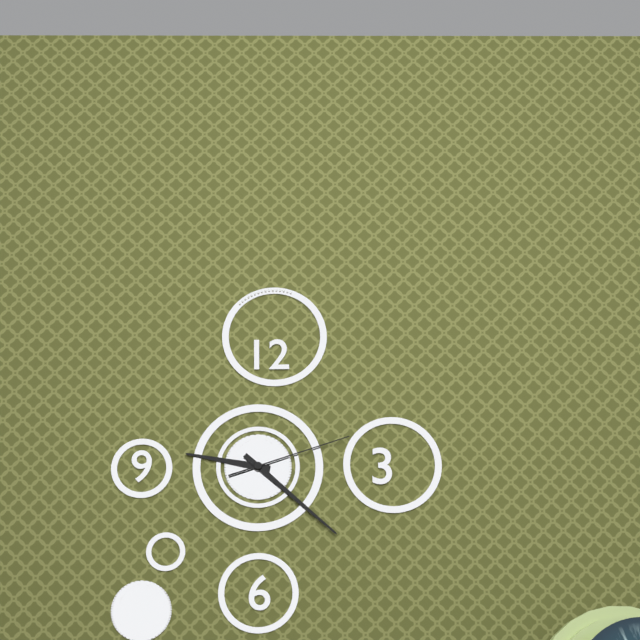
9:22:12
